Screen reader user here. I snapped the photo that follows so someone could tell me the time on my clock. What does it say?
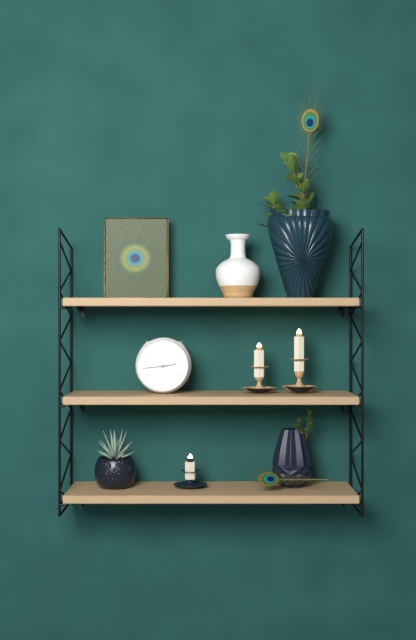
2:44
